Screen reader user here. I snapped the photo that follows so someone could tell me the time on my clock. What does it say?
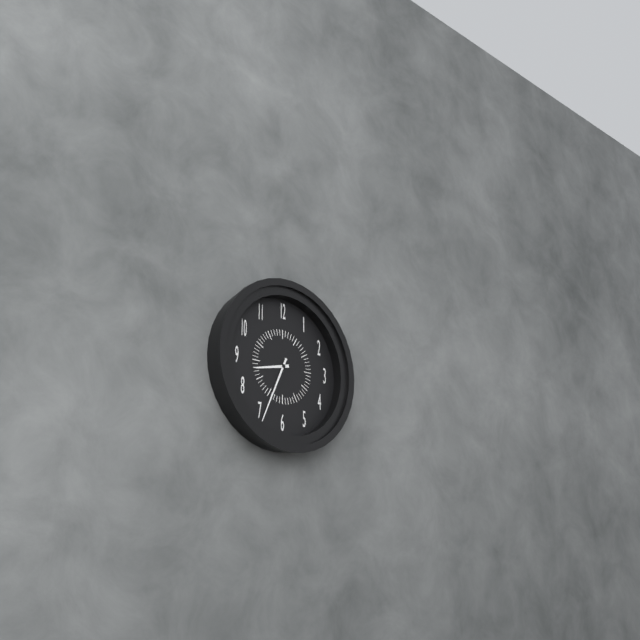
8:34
